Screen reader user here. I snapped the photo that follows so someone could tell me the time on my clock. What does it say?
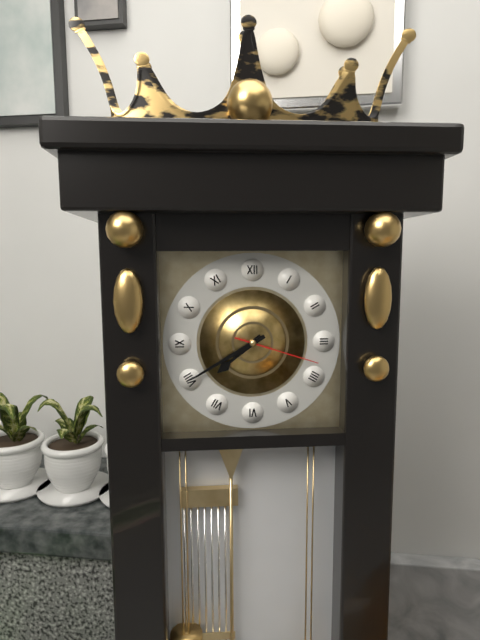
7:40:18
